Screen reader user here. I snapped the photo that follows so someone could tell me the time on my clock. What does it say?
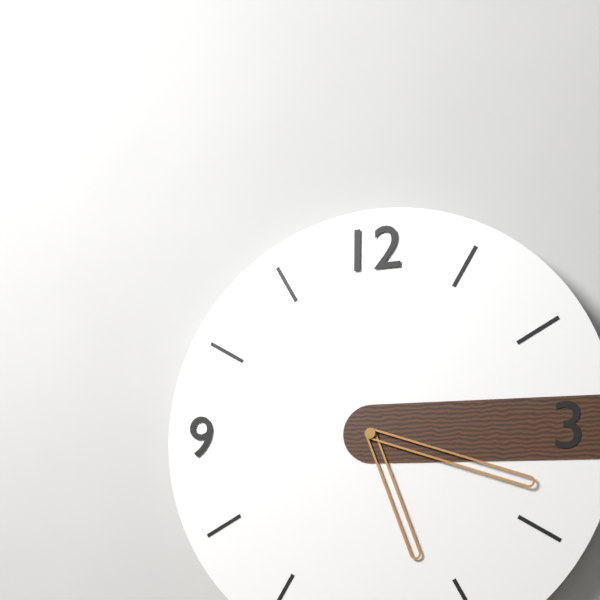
5:18
